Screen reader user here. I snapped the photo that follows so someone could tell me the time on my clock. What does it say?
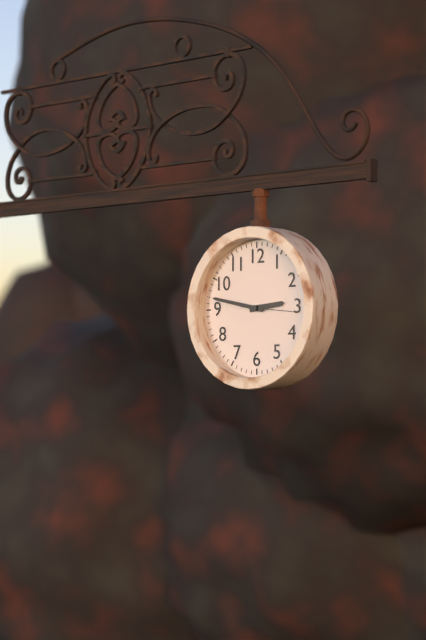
2:47:16
